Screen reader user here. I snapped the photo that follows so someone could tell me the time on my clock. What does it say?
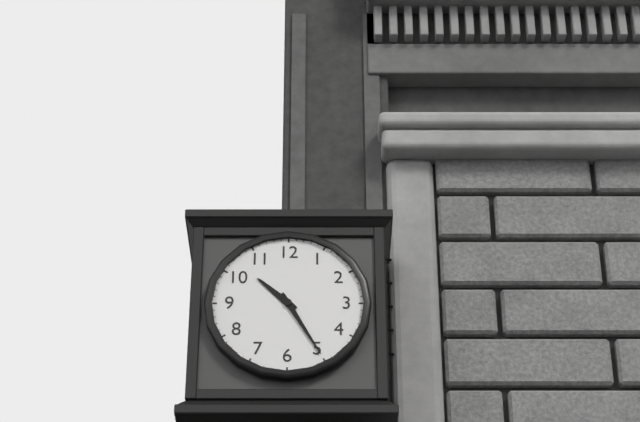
10:25
